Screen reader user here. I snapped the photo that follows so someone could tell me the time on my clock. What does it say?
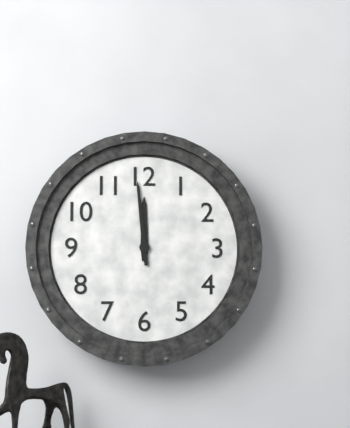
11:59
